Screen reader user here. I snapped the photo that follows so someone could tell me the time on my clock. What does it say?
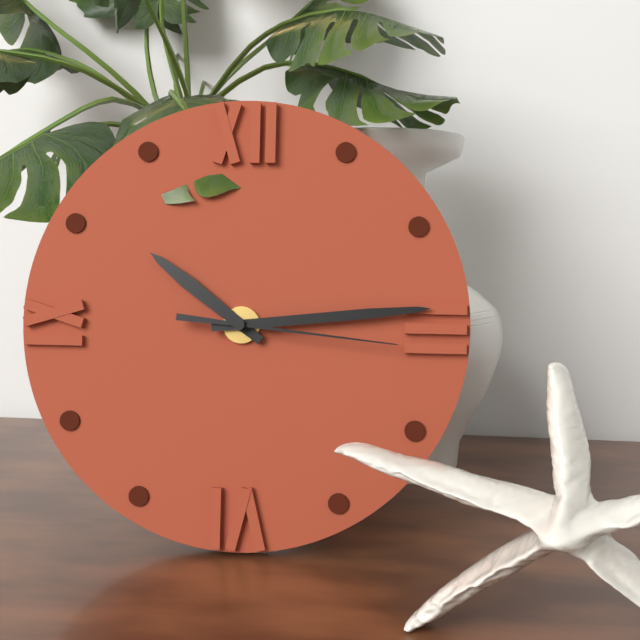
10:14:16
